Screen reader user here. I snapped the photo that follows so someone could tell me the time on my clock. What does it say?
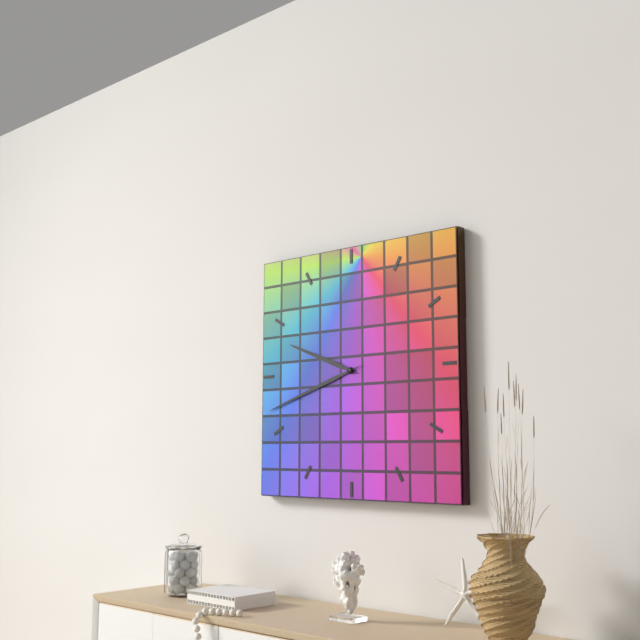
9:42
